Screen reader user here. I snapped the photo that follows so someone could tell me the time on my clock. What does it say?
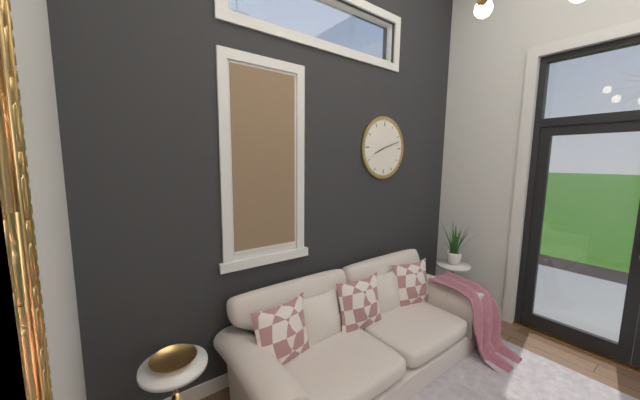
8:12
